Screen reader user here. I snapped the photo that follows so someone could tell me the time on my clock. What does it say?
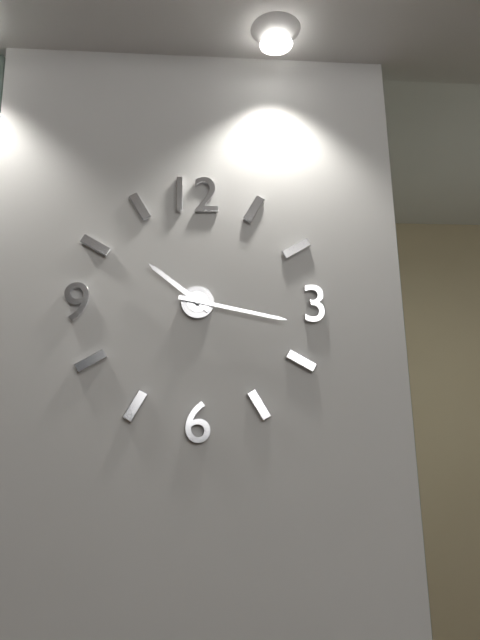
10:17
